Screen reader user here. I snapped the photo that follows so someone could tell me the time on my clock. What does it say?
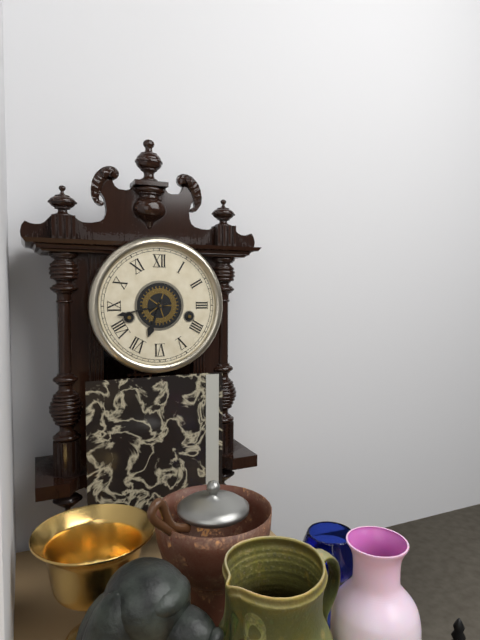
6:43
